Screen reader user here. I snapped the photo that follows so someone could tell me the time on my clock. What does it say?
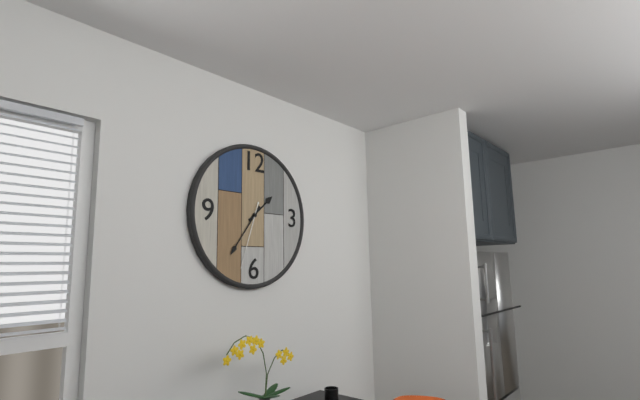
1:36:33
